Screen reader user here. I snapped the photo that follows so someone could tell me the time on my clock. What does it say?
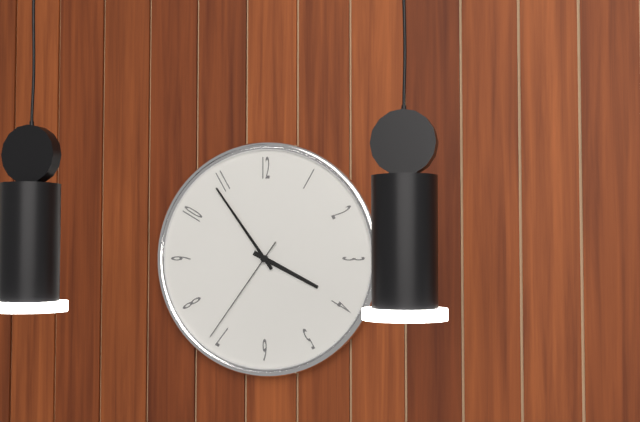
3:54:36
